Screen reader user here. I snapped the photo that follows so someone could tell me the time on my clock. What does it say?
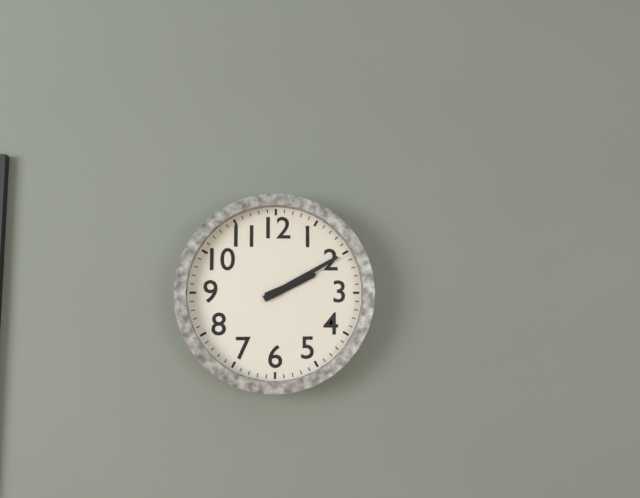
2:10
